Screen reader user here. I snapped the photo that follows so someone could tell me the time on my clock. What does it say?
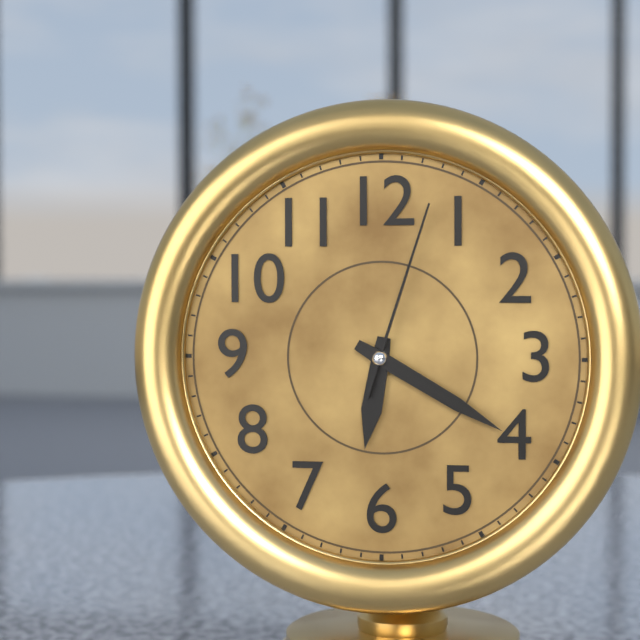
6:20:03
